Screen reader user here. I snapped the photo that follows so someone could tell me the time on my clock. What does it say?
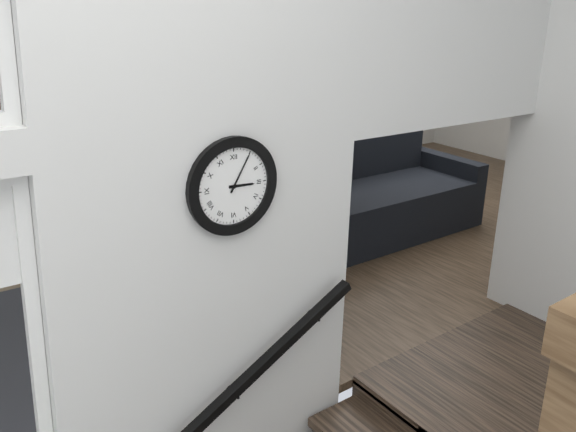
3:05
